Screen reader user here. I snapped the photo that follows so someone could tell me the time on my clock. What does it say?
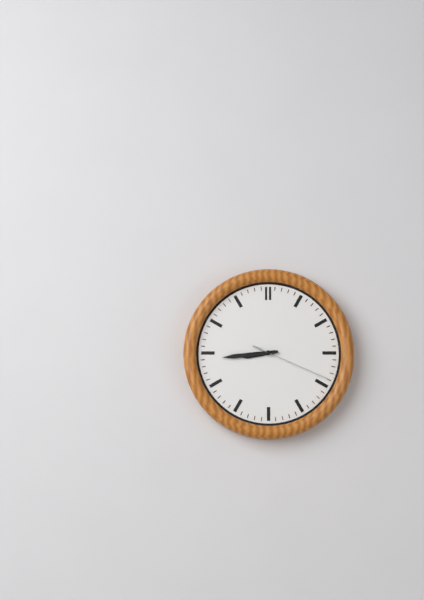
8:44:19
